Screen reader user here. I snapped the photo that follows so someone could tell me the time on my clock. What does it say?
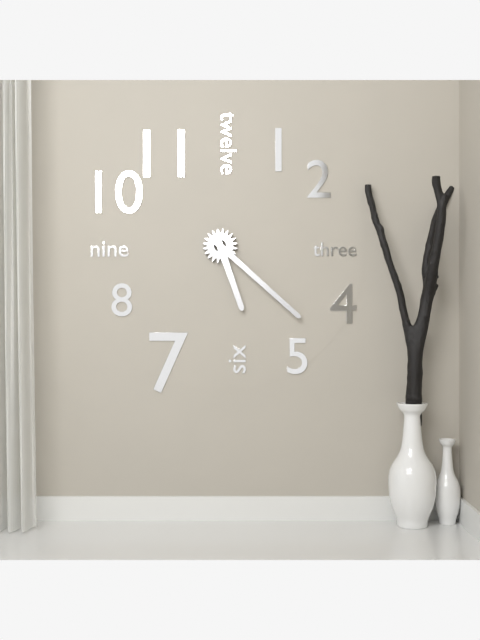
5:22
